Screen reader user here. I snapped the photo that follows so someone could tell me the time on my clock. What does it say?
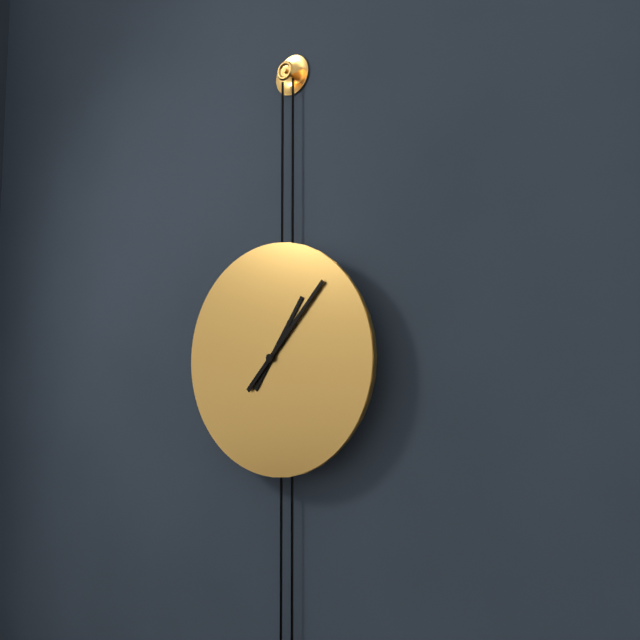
1:07
